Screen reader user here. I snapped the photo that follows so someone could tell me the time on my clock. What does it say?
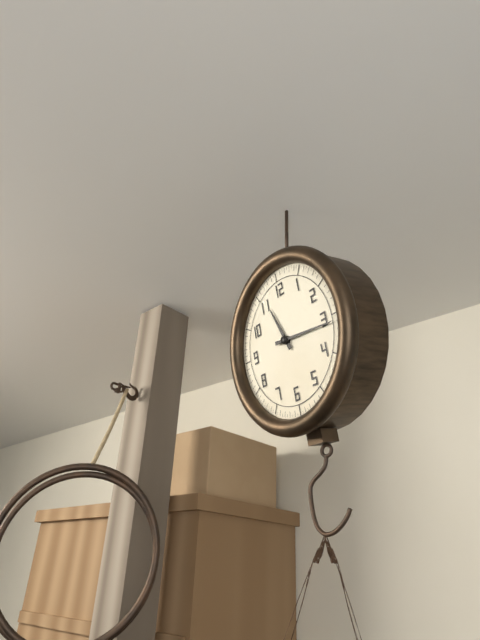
11:16
